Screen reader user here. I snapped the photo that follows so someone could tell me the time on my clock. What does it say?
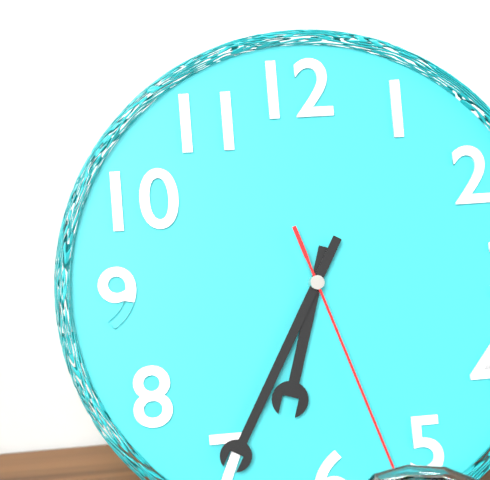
6:35
